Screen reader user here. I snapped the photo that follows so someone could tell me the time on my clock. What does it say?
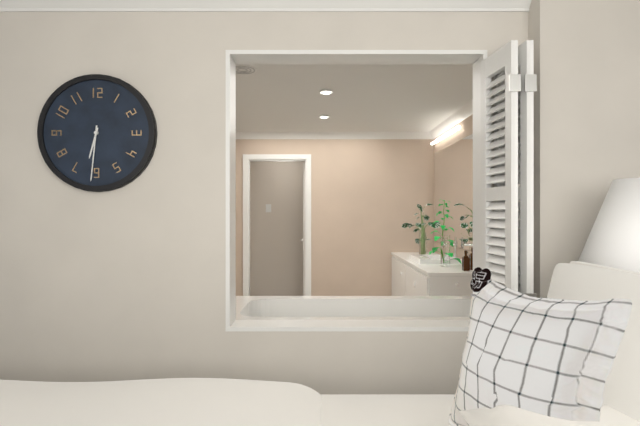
6:31
